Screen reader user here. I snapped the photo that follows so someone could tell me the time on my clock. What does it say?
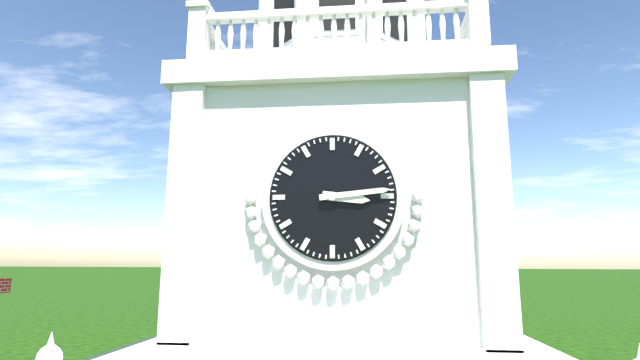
3:14
